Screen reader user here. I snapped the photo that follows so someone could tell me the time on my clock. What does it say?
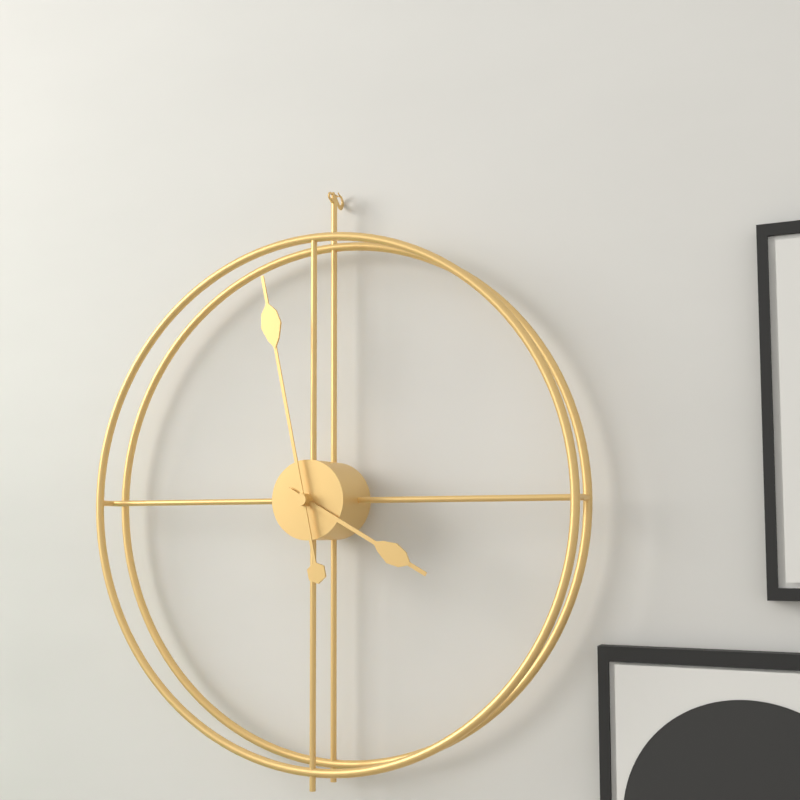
3:58
